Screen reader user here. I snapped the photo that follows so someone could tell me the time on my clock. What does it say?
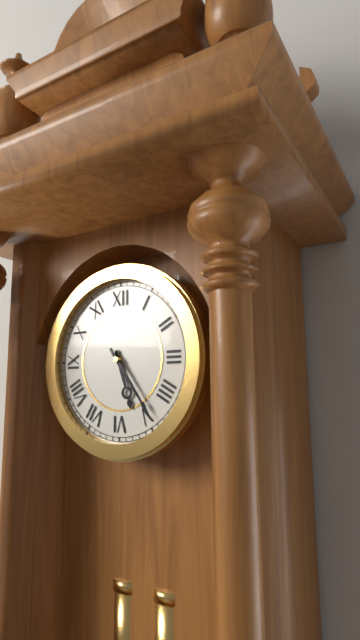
5:24
